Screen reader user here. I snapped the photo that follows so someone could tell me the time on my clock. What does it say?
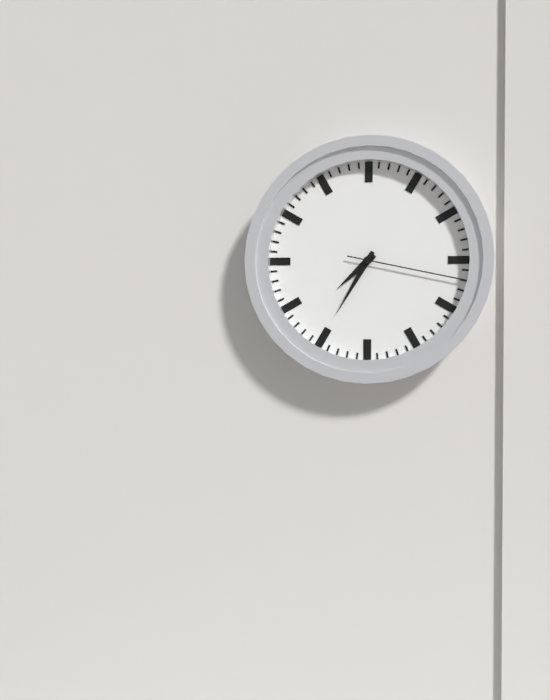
7:35:17
